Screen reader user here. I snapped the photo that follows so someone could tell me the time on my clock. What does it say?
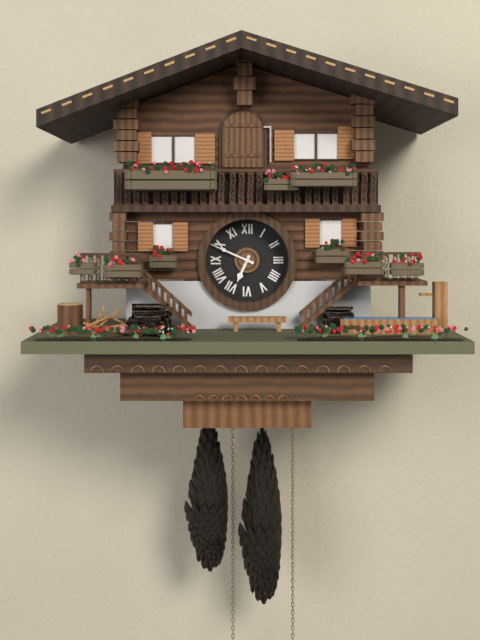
6:49
